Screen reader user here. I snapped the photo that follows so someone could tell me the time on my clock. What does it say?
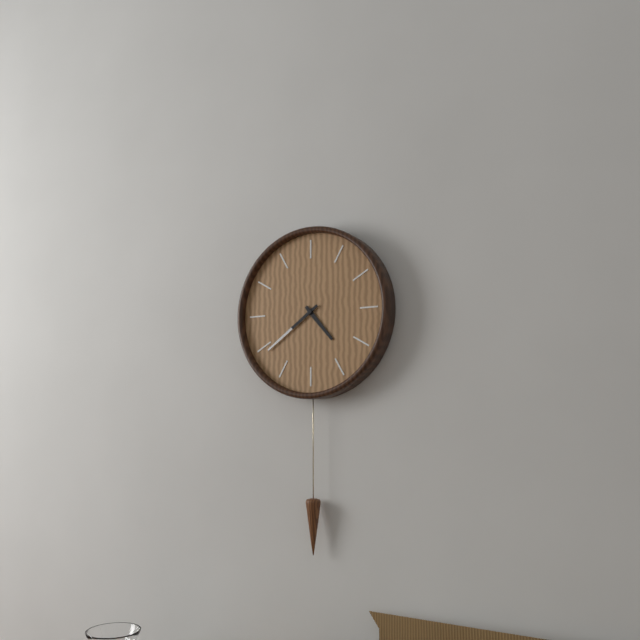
4:39
